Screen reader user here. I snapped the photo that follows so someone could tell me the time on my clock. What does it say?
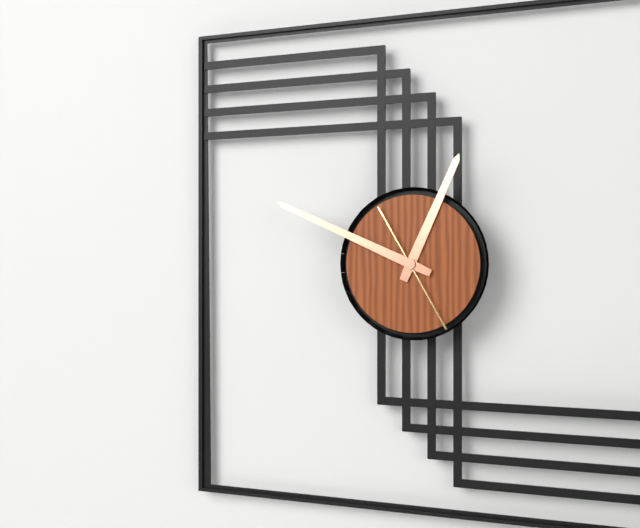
12:49:25
